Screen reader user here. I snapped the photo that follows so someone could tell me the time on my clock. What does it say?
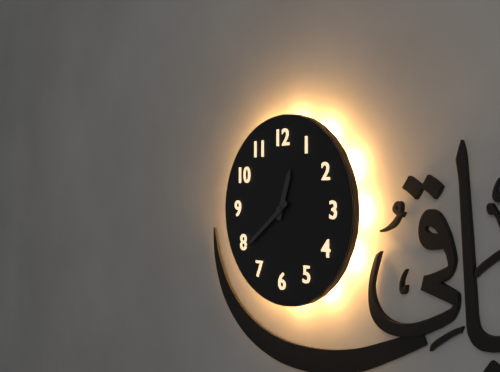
12:39
